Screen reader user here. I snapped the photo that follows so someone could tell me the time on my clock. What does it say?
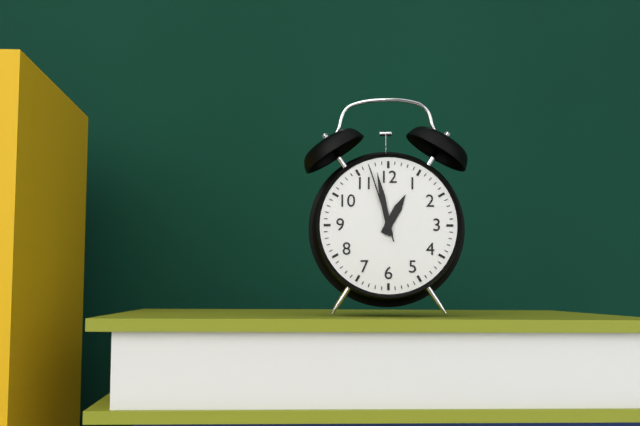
12:58:57
